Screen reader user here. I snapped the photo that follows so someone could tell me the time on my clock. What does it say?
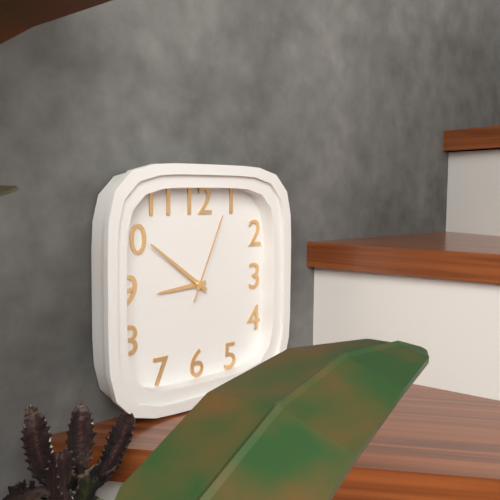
8:51:04
